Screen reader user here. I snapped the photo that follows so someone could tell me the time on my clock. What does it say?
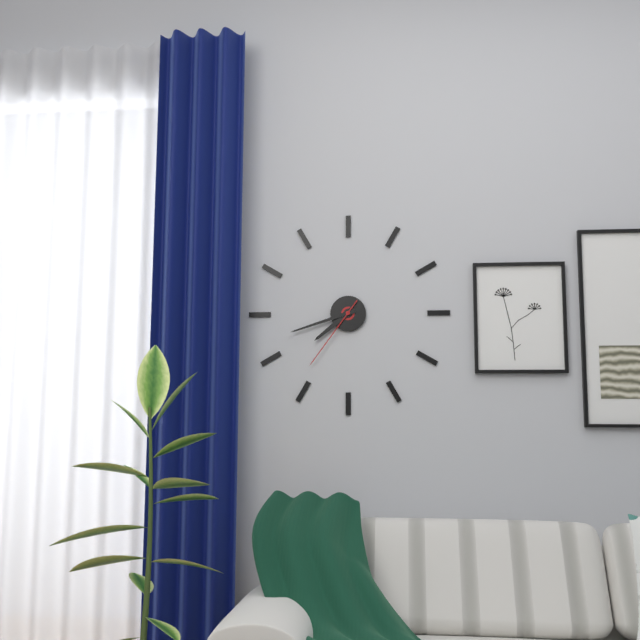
7:42:36
